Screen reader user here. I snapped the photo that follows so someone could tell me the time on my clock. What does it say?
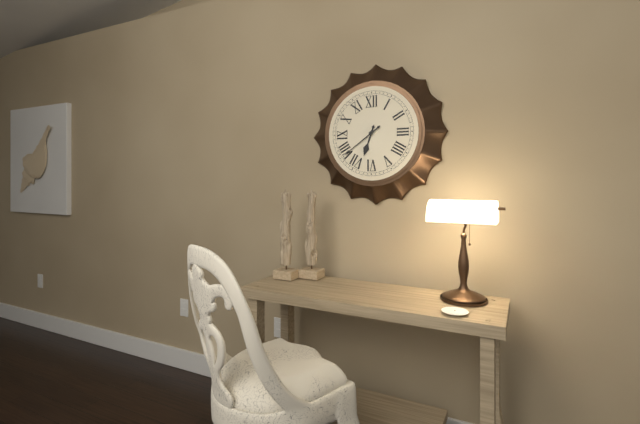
6:39
